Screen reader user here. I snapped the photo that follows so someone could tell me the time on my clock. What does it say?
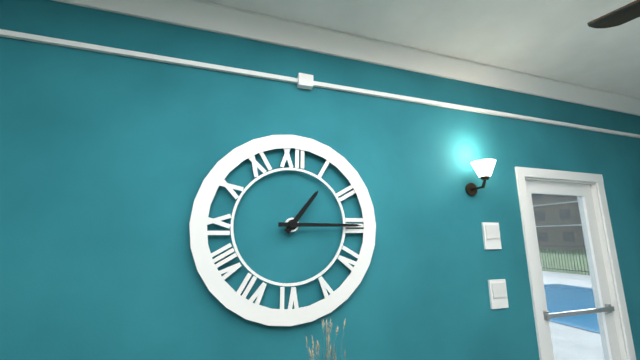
1:15
